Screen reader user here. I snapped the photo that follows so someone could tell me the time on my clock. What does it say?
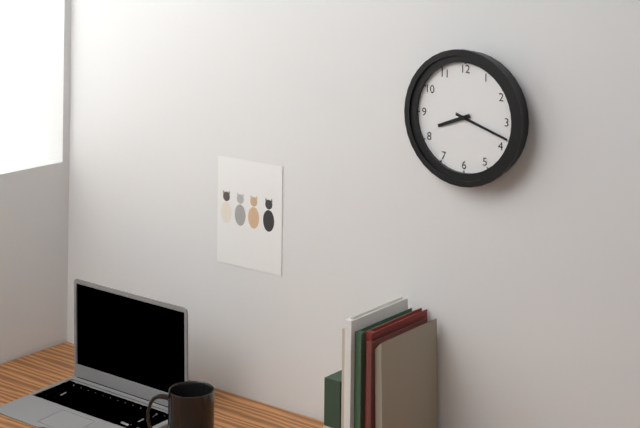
8:18
